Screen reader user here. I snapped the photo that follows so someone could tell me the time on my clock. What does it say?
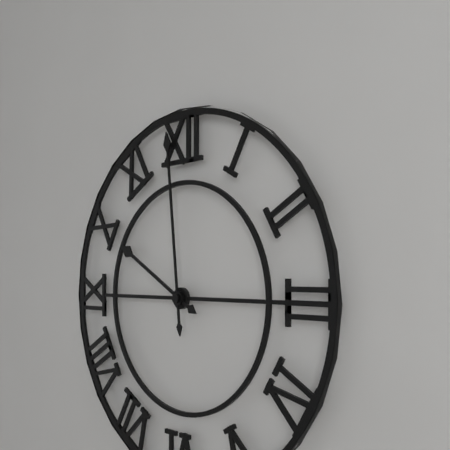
9:59
